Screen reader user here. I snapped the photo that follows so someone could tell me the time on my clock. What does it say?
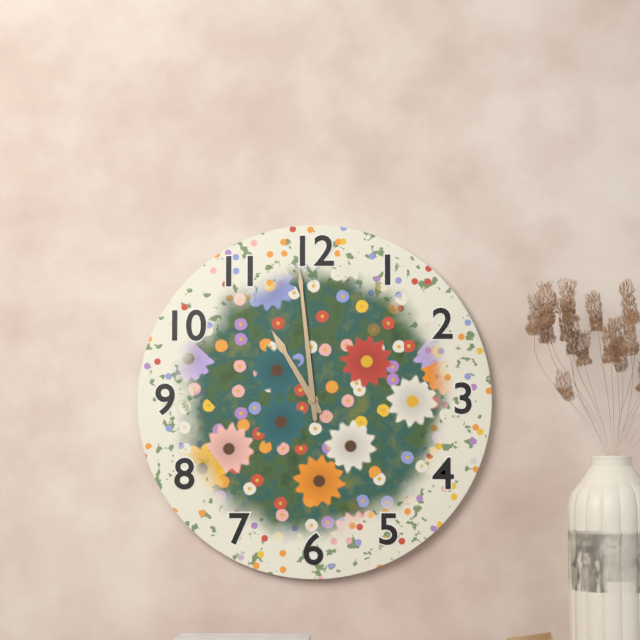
10:59
